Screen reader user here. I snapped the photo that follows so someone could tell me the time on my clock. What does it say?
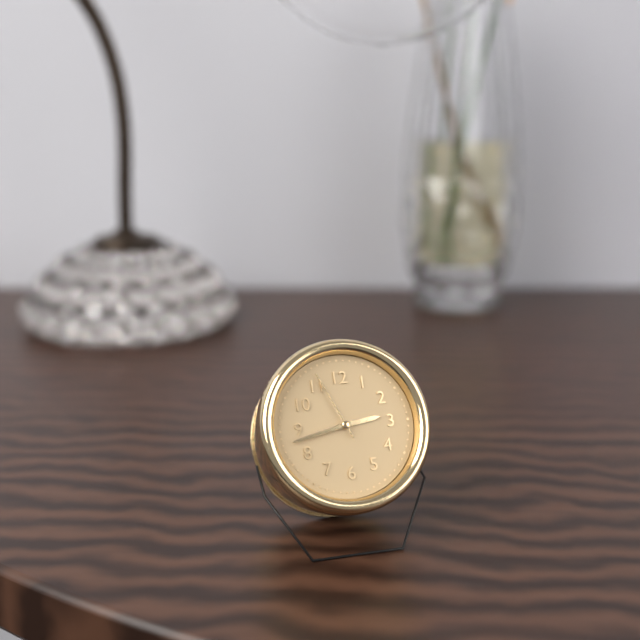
2:43:56
